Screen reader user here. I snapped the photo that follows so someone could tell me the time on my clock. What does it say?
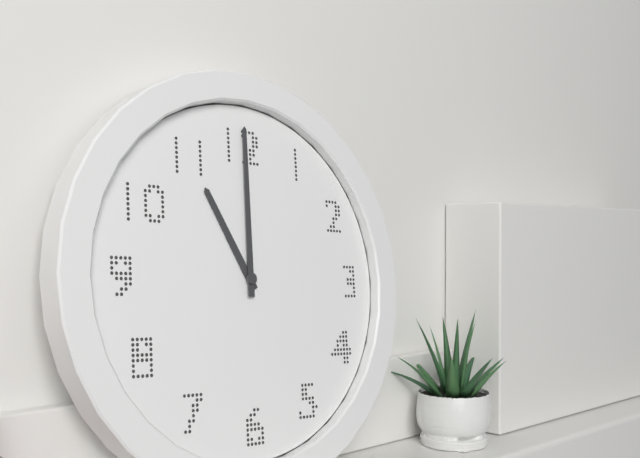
11:00
